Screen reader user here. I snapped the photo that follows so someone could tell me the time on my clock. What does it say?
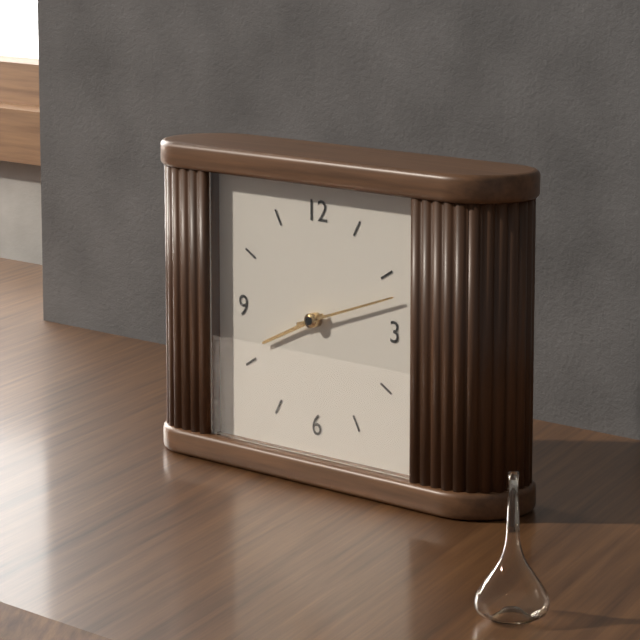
8:12
